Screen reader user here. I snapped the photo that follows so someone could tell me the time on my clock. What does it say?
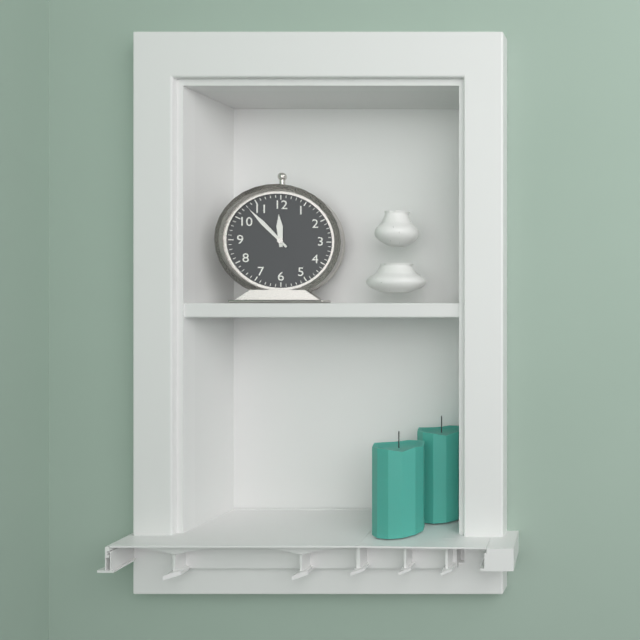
11:53
